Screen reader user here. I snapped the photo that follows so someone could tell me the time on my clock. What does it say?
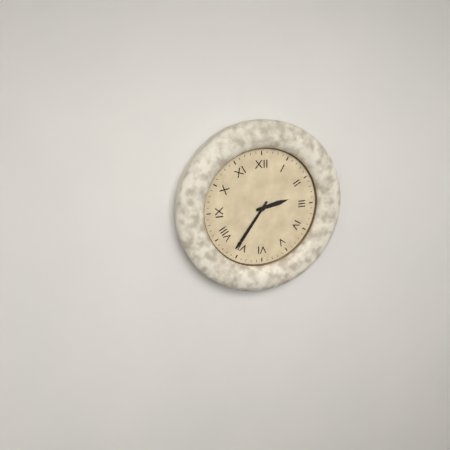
2:36
